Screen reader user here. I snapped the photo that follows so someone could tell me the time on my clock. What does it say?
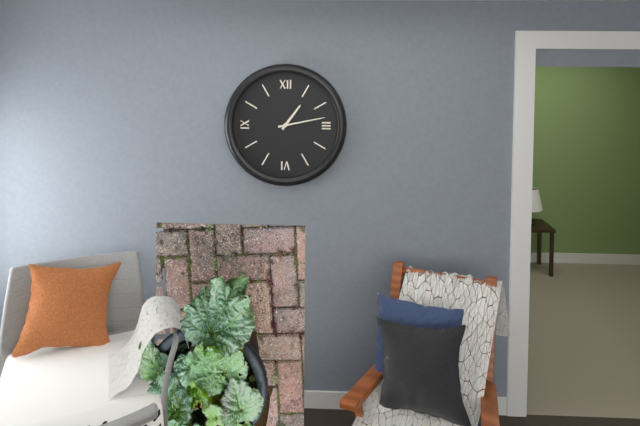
1:13
